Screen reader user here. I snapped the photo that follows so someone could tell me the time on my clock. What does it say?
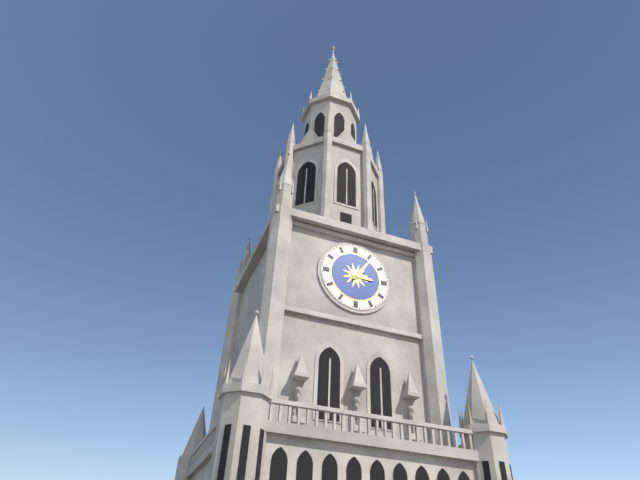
3:06
